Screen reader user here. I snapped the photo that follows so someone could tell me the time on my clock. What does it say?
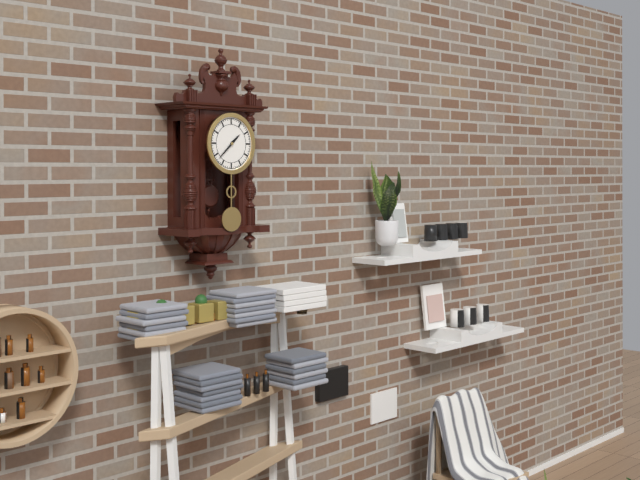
1:38
